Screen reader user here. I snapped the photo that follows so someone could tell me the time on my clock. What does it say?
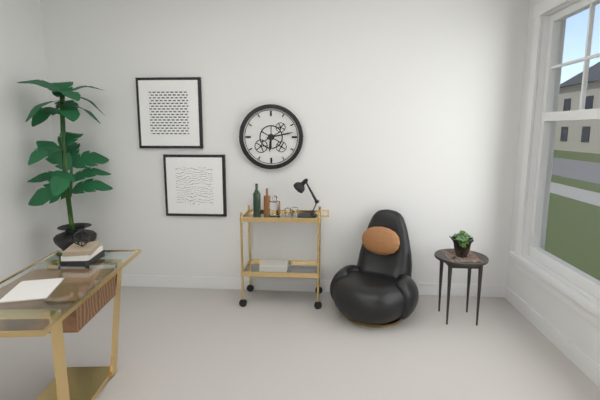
6:13
